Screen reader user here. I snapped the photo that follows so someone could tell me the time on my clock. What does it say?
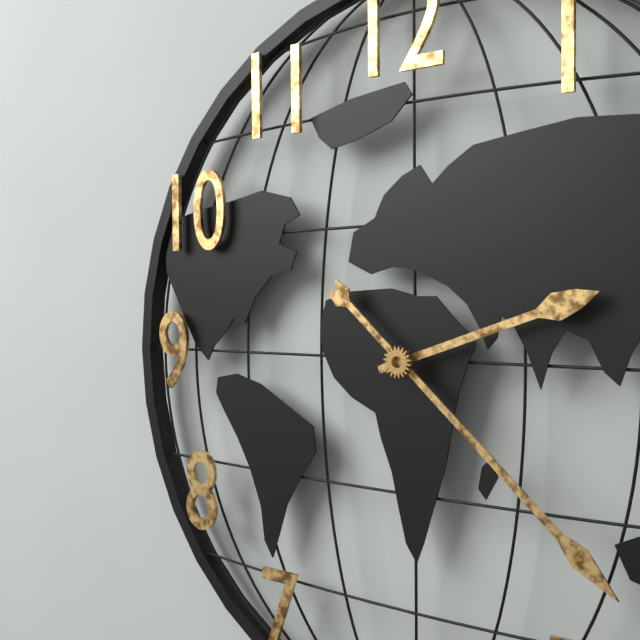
2:22
